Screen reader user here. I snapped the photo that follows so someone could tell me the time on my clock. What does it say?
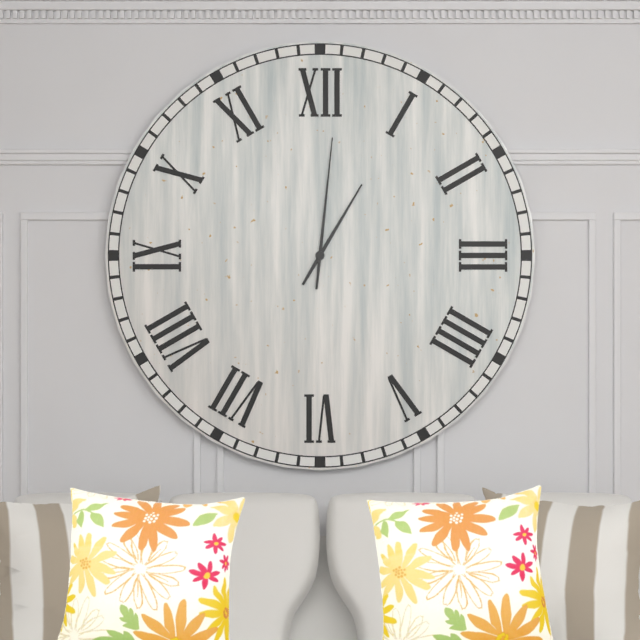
1:01
